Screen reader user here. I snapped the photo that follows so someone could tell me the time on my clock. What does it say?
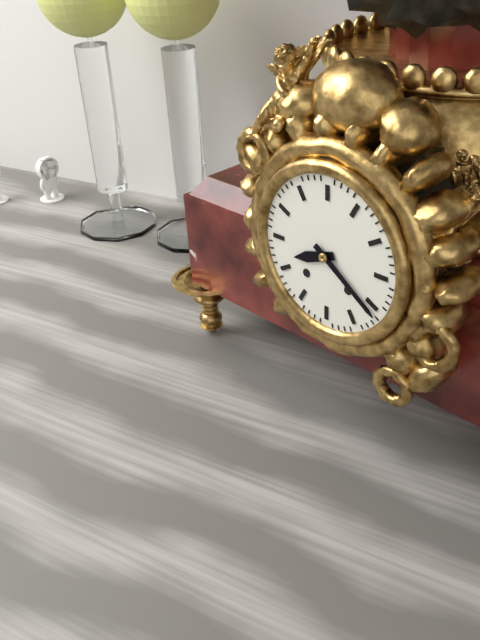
8:21
